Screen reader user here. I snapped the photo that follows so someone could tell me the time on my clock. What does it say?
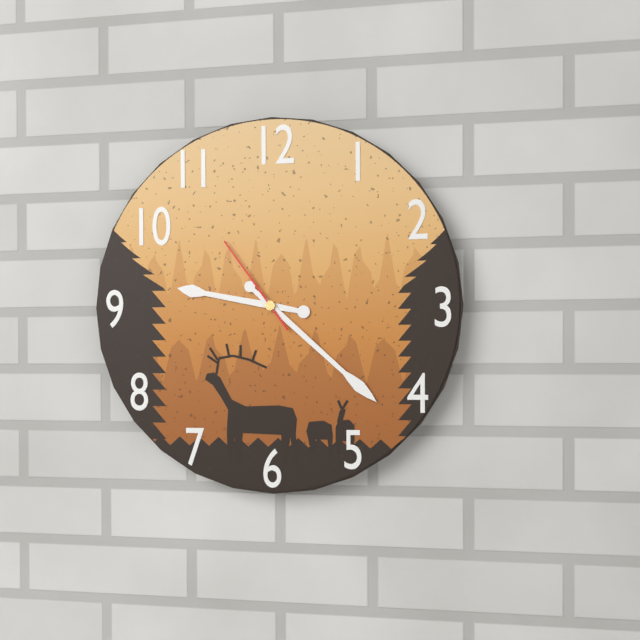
9:22:54
